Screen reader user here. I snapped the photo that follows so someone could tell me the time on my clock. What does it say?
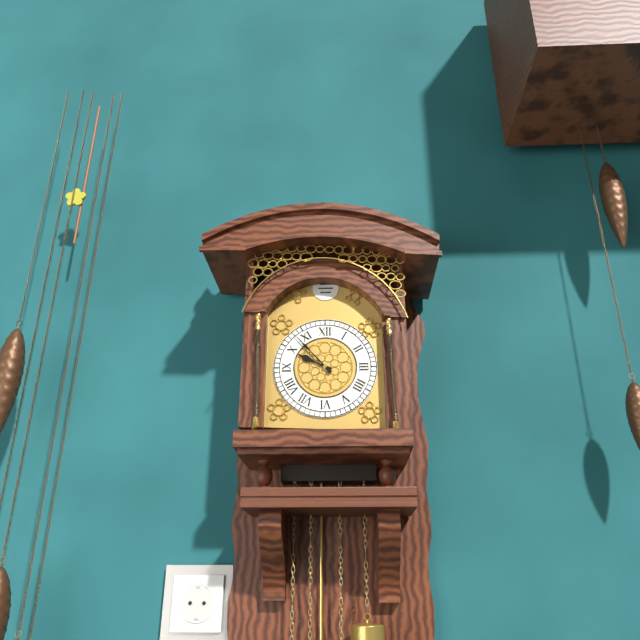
9:53
